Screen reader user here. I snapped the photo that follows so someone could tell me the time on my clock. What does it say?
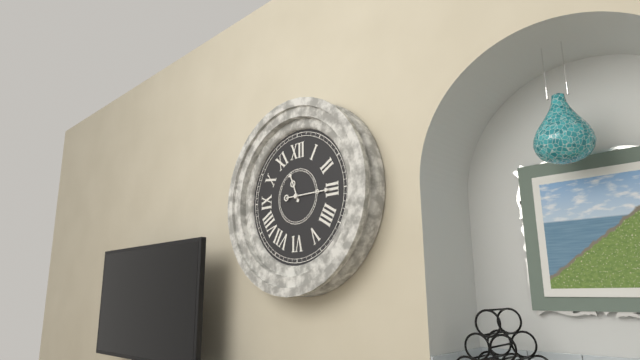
11:15
